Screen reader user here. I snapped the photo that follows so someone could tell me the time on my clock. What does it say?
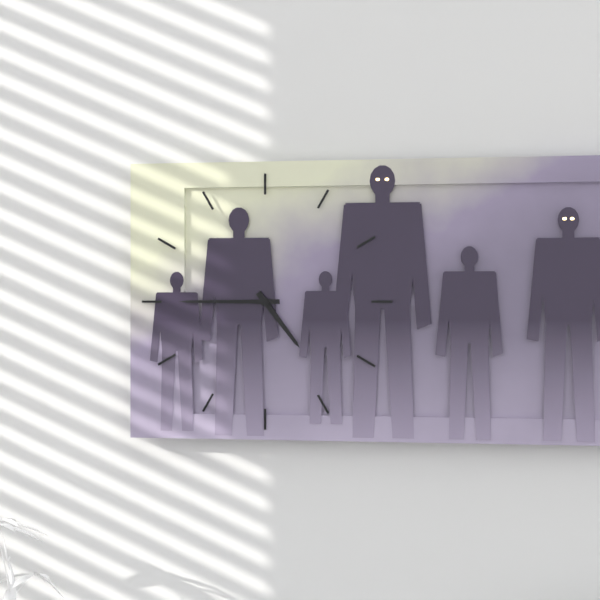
4:45
